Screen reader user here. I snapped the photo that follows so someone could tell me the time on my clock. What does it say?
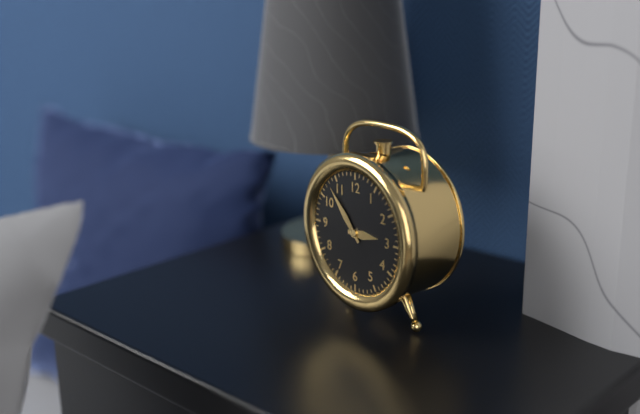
2:53
